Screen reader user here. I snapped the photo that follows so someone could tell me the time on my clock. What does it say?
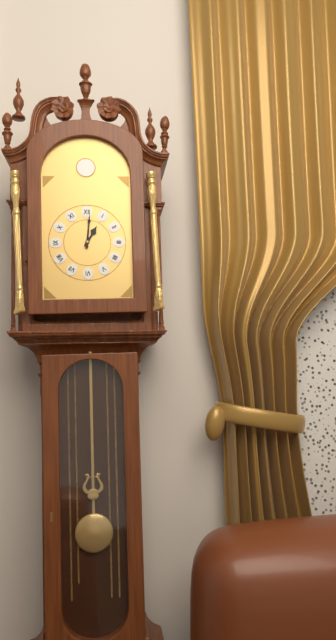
1:01
